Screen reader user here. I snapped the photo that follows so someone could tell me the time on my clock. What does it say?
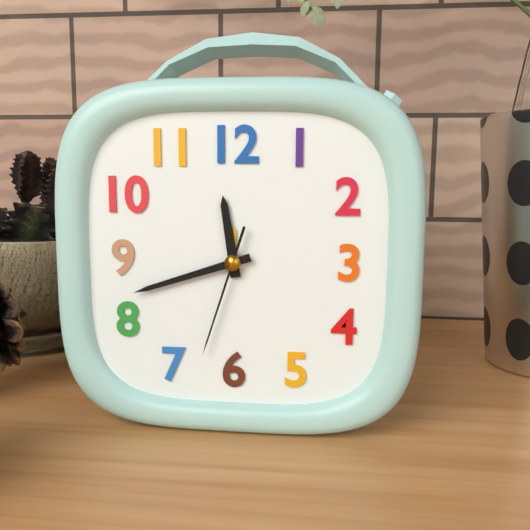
11:42:33
